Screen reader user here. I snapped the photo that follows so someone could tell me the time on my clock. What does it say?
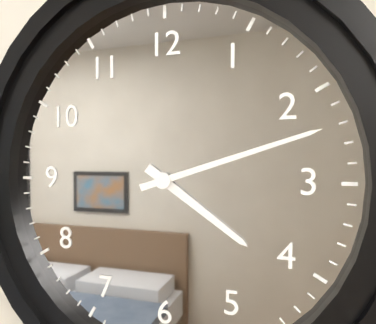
4:12
